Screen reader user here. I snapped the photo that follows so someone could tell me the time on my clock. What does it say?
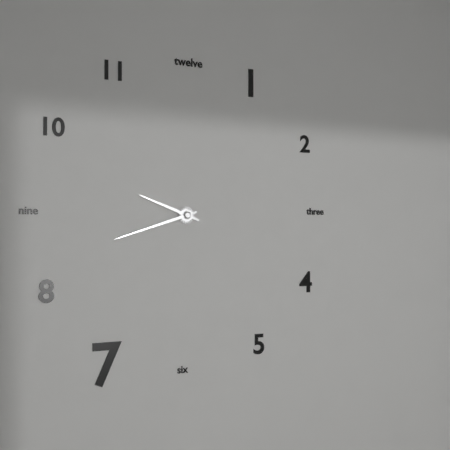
9:42
